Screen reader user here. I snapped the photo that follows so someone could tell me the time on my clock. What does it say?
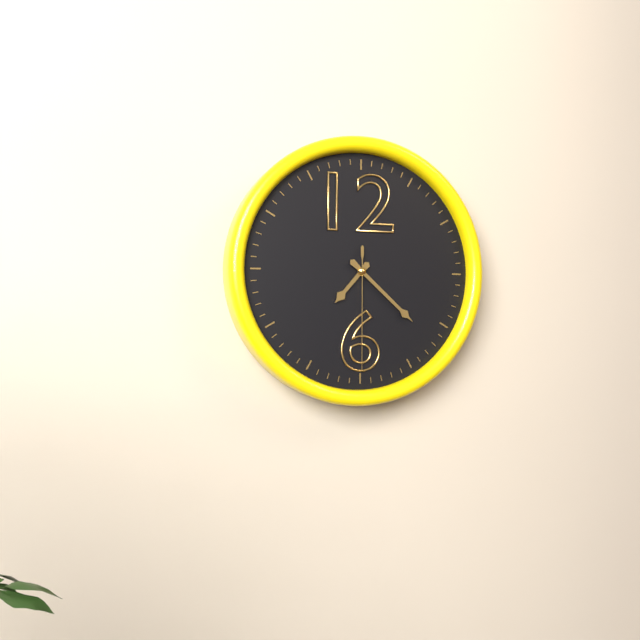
7:22:30
